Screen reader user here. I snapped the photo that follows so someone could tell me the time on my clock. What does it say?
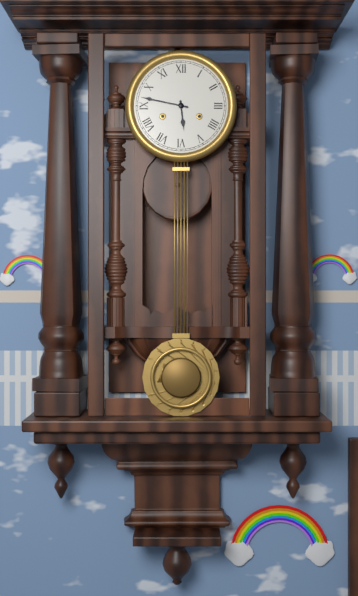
5:47
